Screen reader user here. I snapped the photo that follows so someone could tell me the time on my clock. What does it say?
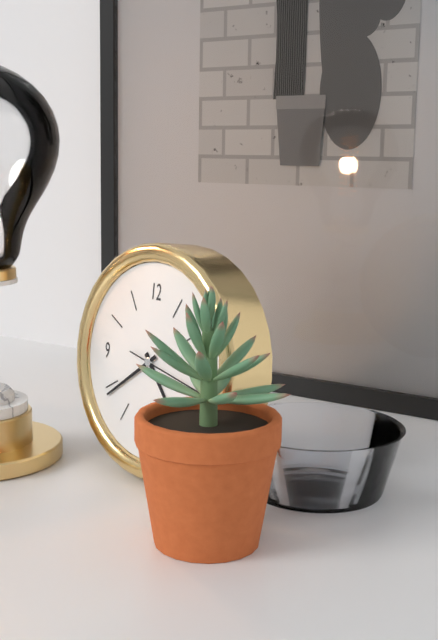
4:39:17
